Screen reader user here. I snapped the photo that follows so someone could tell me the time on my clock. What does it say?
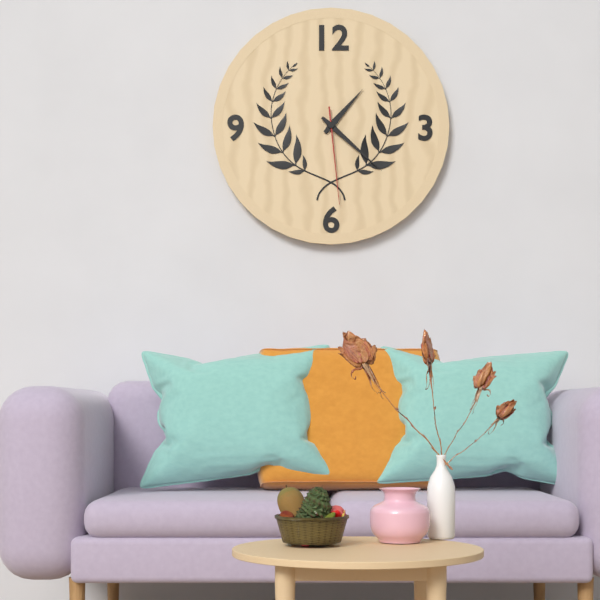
1:22:29
